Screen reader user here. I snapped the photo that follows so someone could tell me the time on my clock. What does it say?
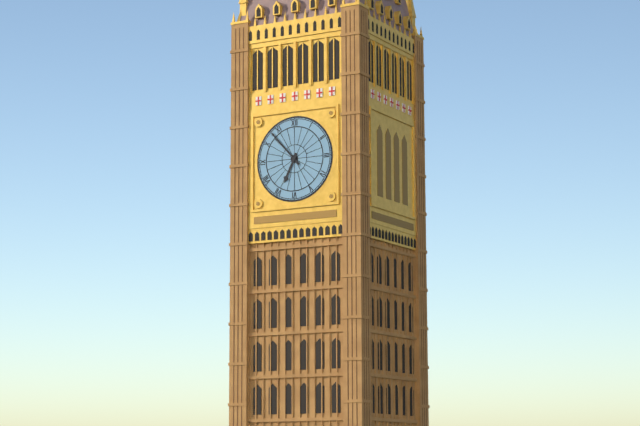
6:53
